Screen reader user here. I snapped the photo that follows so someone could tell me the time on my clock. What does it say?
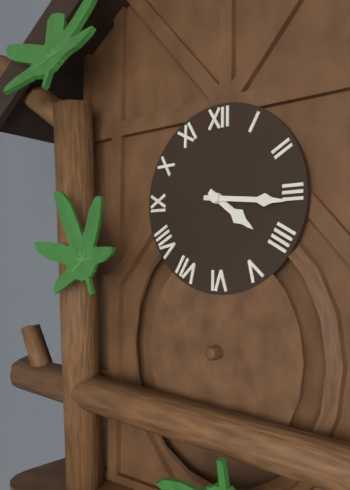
4:16
